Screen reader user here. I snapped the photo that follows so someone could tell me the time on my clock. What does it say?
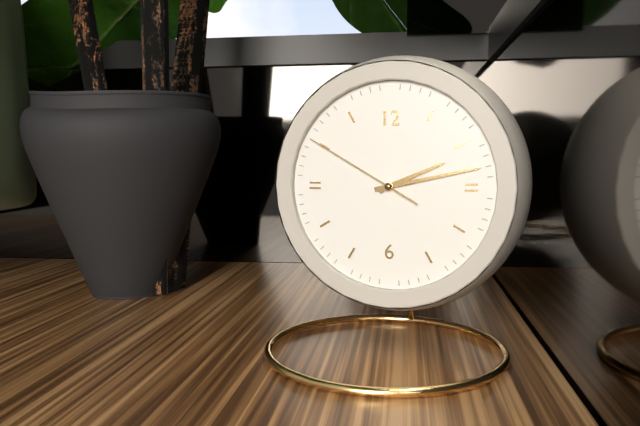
2:13:50
